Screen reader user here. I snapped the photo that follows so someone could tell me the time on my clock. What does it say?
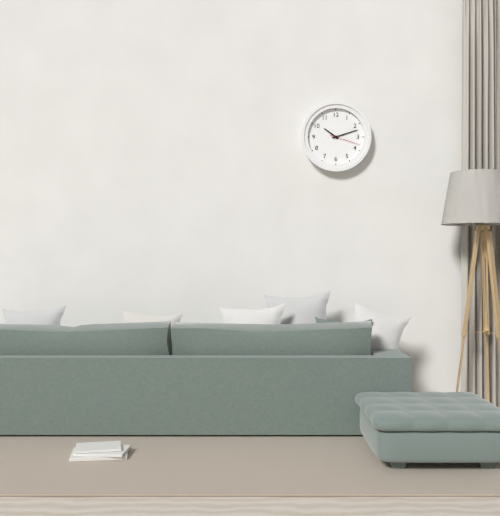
10:12
